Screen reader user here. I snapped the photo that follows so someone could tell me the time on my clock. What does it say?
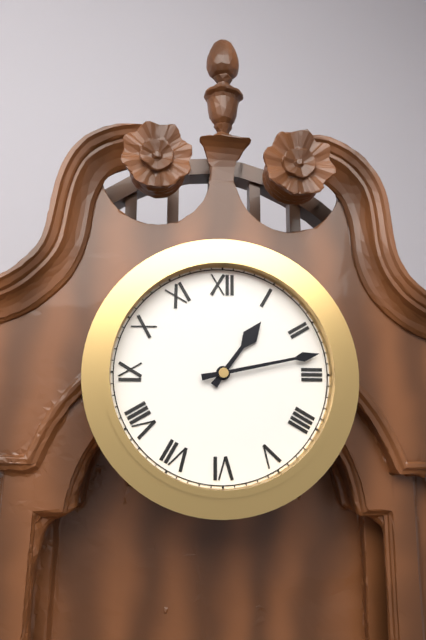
1:13
